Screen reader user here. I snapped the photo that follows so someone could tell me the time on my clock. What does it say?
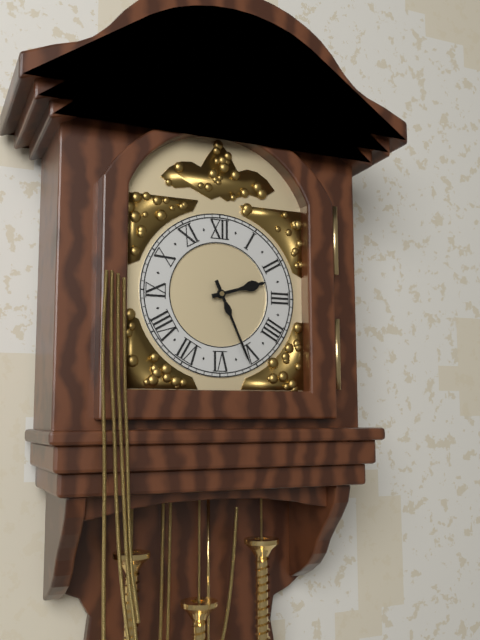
2:26
